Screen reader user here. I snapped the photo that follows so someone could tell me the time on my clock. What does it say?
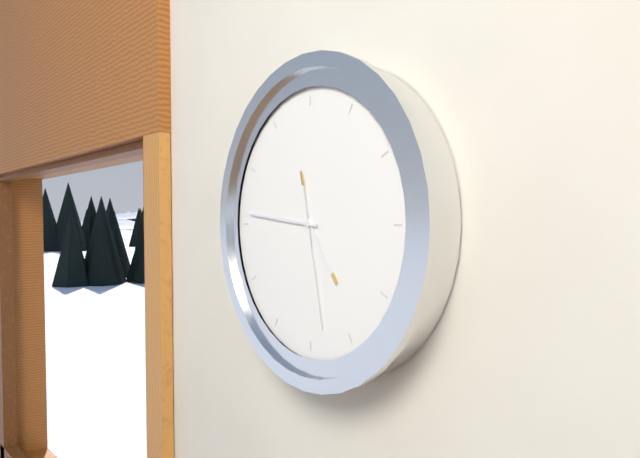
4:46:28
